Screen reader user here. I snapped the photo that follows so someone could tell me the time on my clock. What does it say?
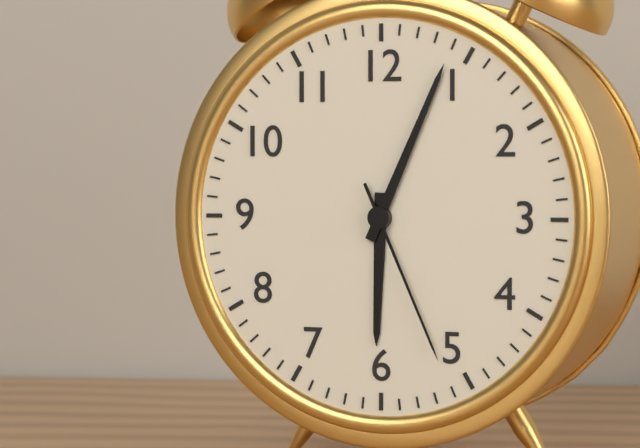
6:04:26
